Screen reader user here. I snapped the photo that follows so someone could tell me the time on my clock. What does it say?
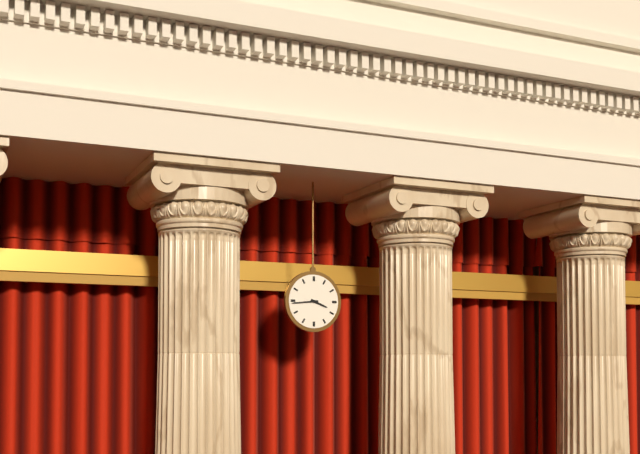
3:44
